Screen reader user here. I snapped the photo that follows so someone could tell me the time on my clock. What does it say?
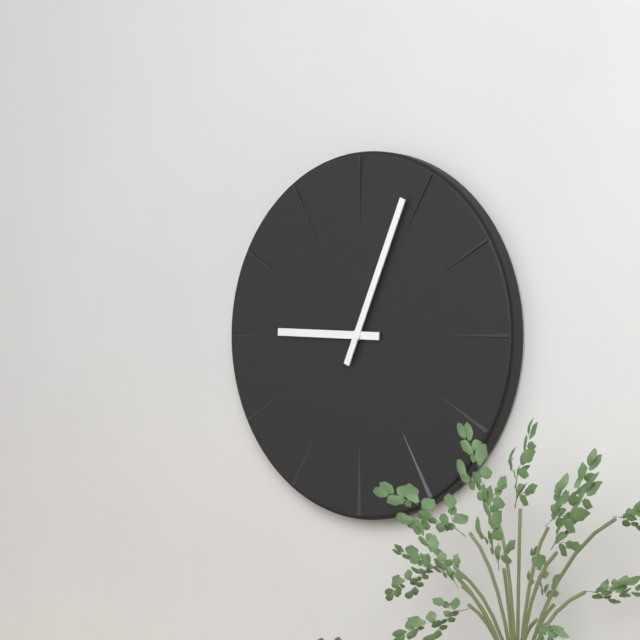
9:04
